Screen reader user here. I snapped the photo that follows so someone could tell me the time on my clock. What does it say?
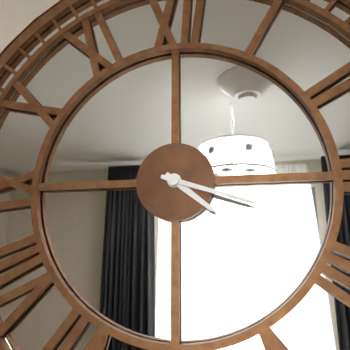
4:18
